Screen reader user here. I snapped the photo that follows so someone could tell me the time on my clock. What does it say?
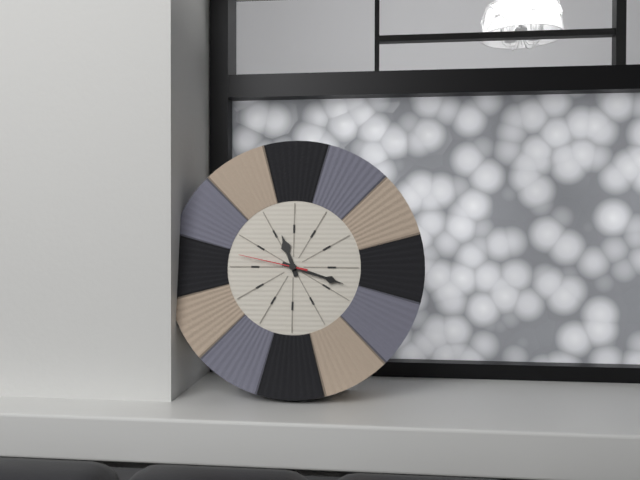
11:18:47
